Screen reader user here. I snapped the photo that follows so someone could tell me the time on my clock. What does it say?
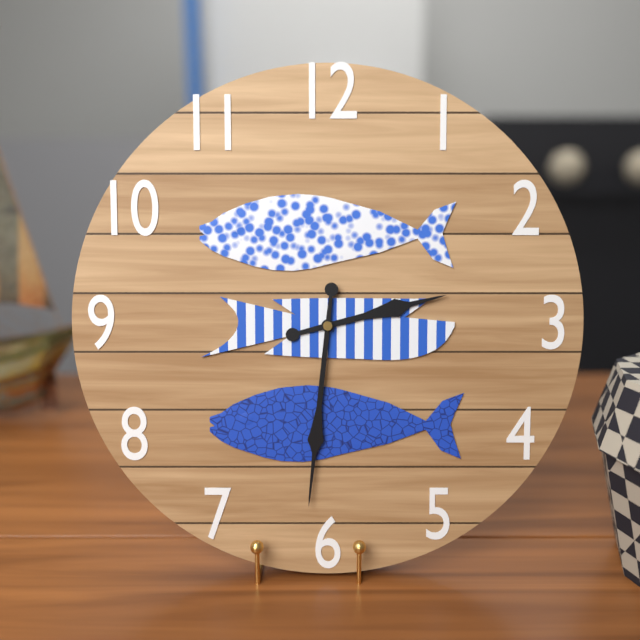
2:31
